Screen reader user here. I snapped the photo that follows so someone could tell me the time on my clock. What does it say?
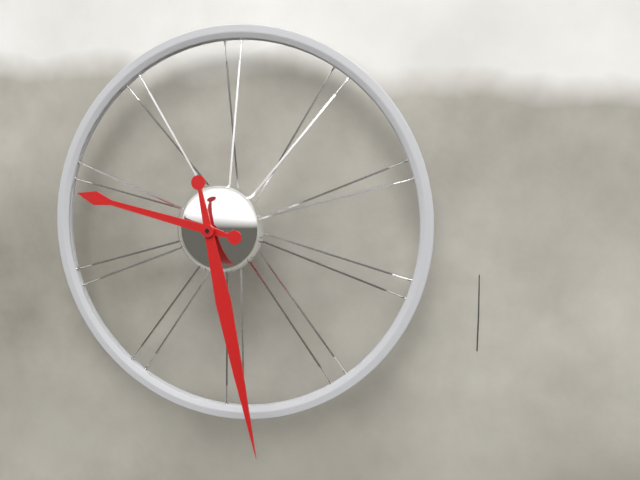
9:28
